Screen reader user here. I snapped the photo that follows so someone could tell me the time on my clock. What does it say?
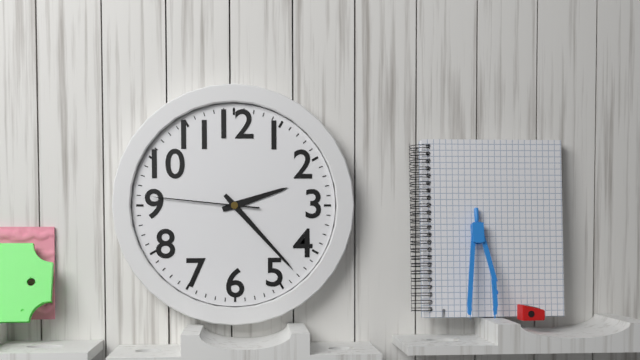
2:23:46
